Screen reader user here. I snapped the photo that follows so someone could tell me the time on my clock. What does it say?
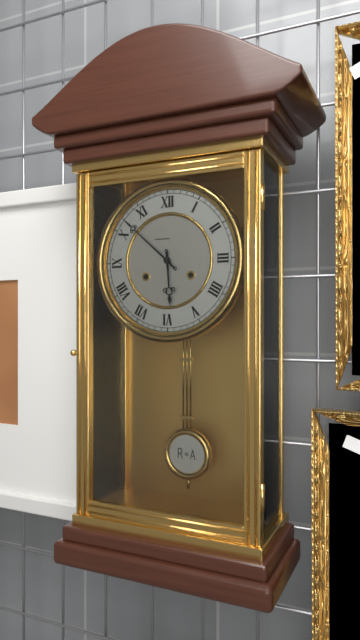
5:52
